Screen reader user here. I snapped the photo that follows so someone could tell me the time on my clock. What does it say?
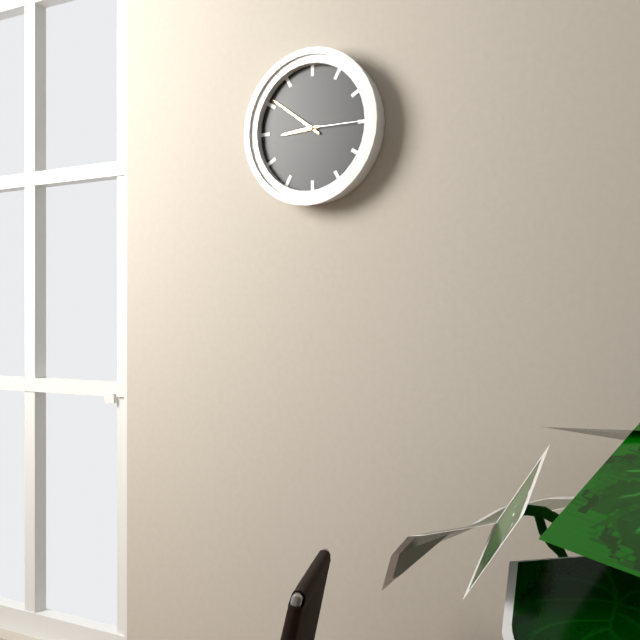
8:51:15
